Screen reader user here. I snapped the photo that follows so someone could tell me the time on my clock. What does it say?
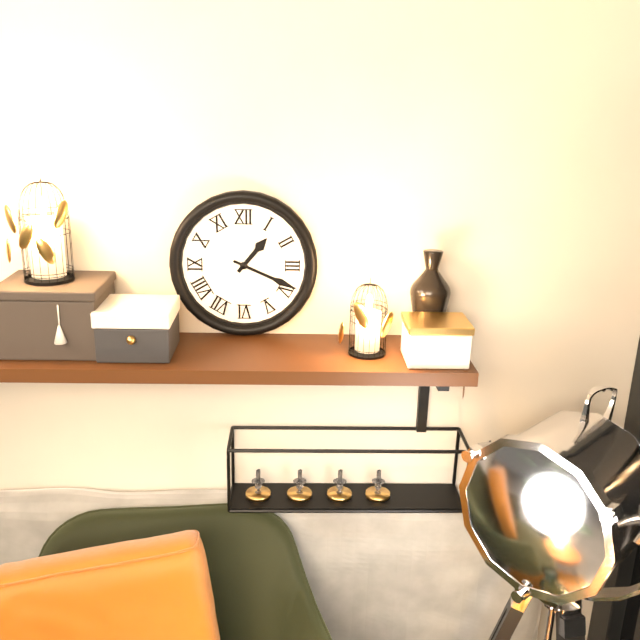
1:19
